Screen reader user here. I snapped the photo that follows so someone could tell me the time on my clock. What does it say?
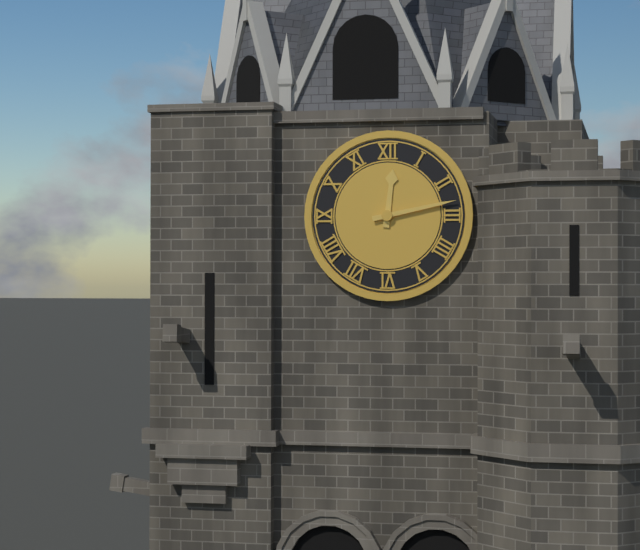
12:13
